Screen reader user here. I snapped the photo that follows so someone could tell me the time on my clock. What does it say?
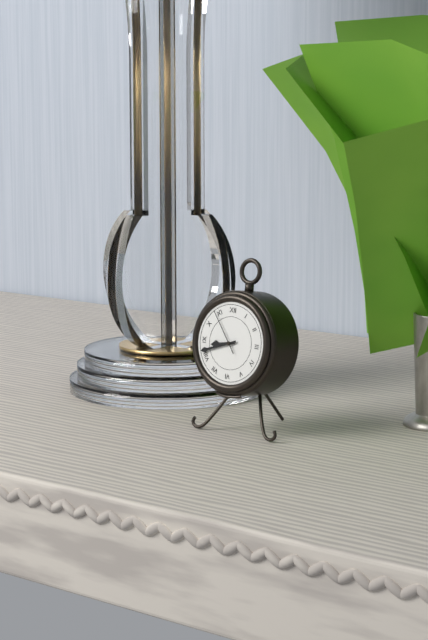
8:42
